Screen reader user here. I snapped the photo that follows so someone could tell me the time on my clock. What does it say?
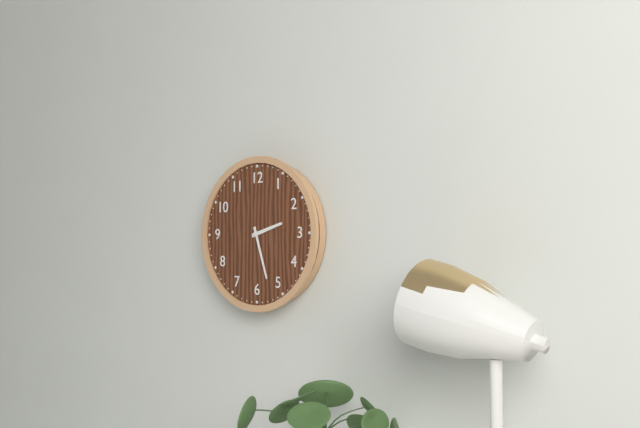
2:27
